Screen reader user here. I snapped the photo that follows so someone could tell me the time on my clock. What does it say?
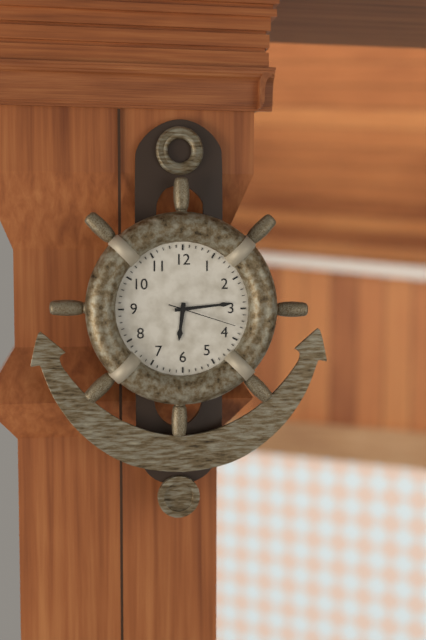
6:14:18
